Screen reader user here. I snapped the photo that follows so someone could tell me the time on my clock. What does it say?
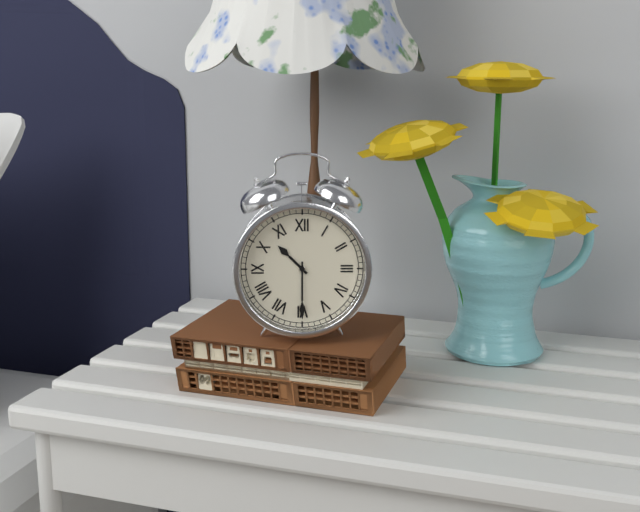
10:30
